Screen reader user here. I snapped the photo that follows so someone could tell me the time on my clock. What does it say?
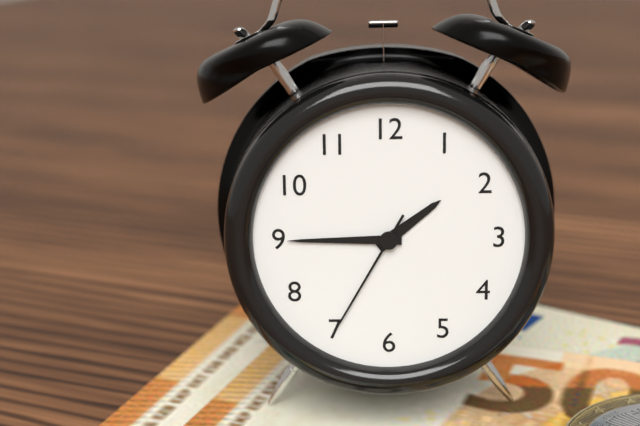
1:45:35
